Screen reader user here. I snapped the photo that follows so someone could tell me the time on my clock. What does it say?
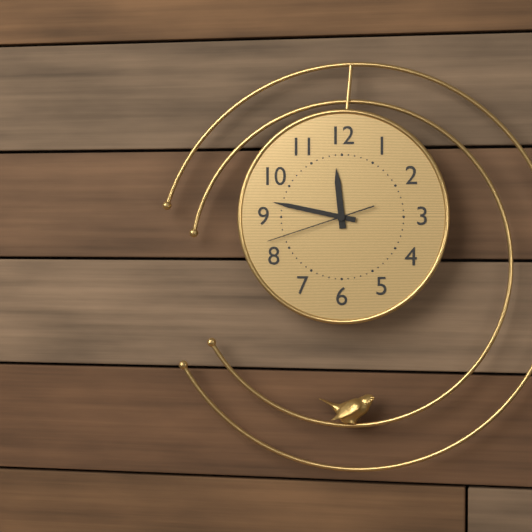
11:47:42
